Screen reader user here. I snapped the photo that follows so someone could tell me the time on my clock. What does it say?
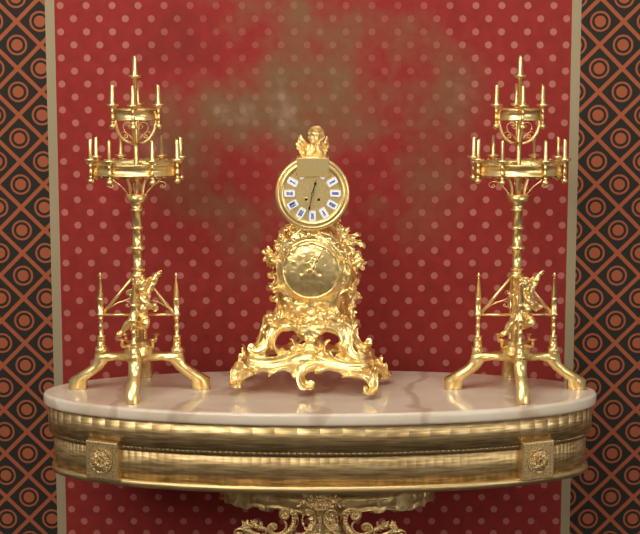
12:32
